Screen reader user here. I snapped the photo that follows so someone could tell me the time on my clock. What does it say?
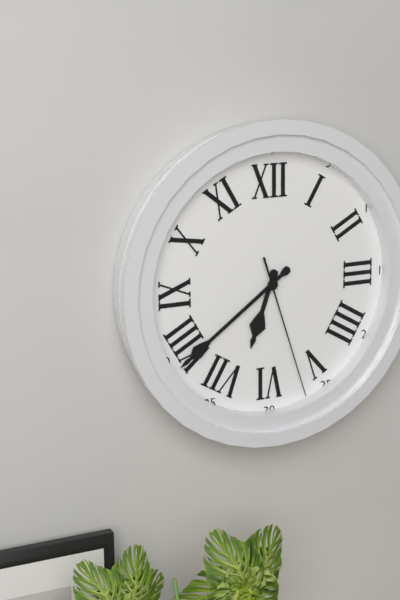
6:39:27
